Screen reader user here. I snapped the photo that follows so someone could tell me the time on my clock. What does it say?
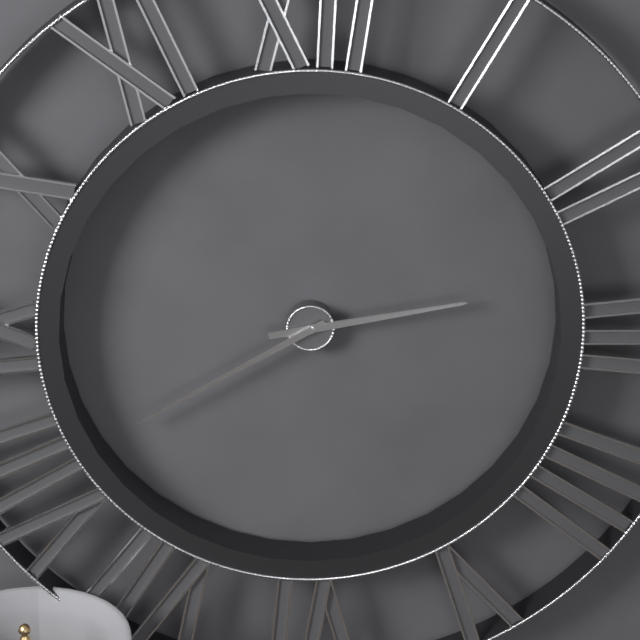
2:40
